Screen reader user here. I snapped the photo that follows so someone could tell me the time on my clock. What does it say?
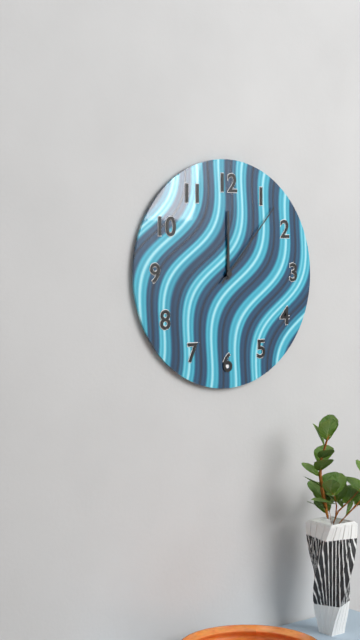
12:00:07
